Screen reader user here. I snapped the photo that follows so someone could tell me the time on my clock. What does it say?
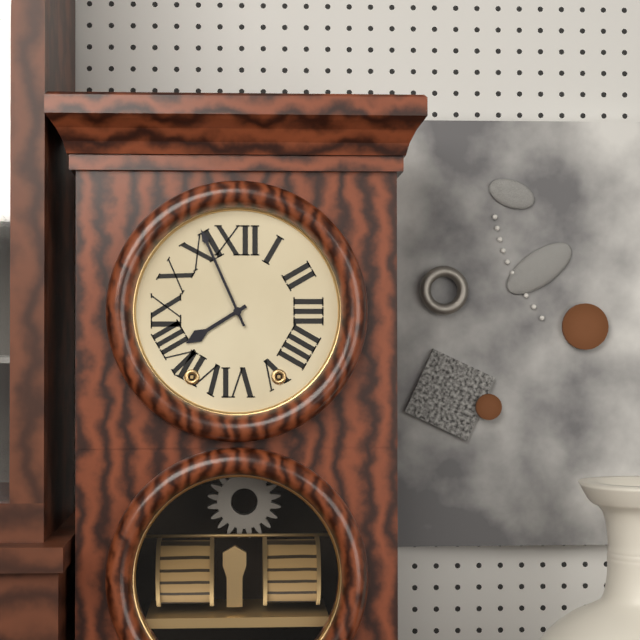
7:56
